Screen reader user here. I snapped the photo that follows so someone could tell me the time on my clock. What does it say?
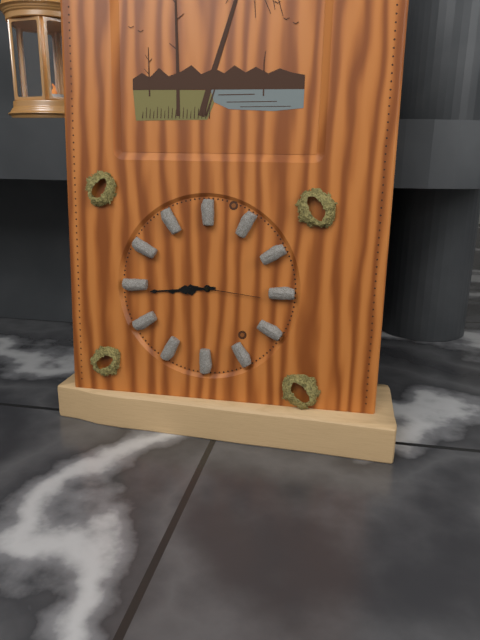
8:44:16
